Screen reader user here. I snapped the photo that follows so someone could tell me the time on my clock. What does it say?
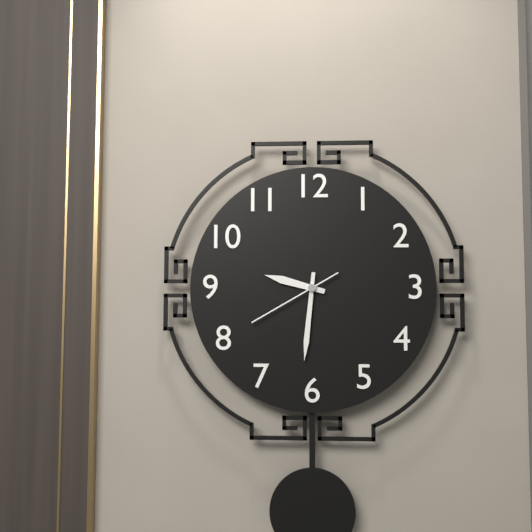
9:31:40
